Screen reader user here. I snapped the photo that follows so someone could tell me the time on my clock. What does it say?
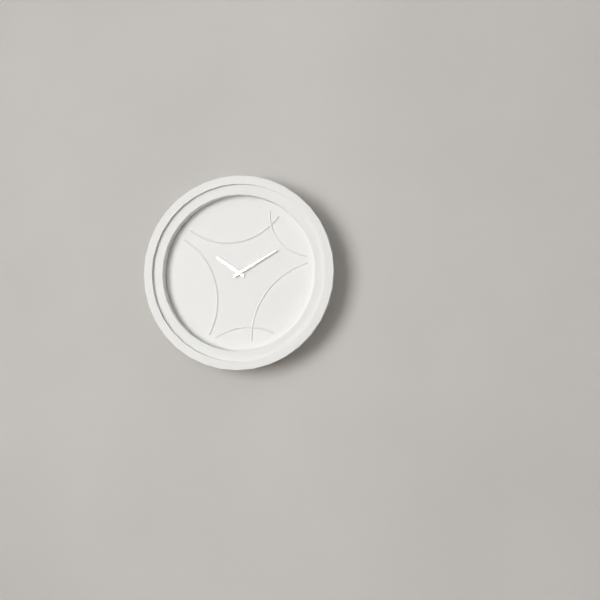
10:10
